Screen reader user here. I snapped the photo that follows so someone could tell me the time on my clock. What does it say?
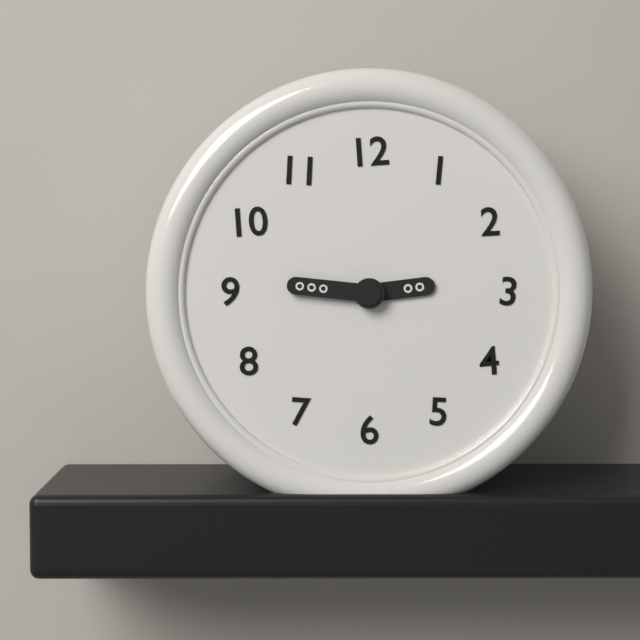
2:46
